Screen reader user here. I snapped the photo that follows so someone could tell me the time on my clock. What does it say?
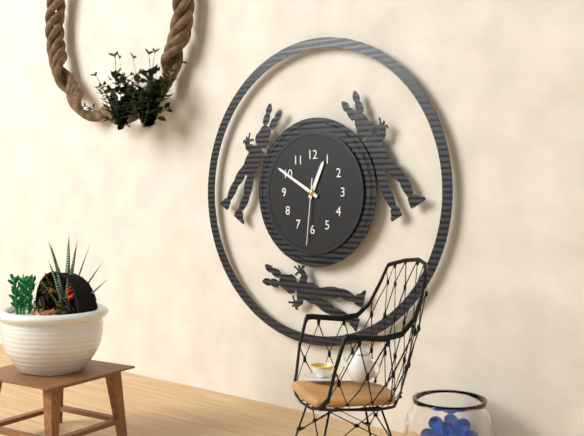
12:50:31
